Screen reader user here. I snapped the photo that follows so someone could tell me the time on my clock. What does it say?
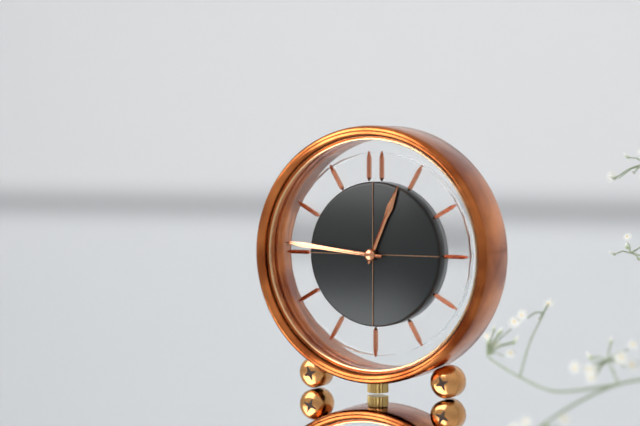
12:46
